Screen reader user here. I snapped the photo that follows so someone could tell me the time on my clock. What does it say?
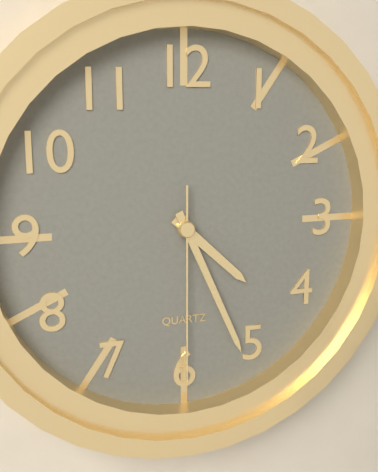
4:26:30
